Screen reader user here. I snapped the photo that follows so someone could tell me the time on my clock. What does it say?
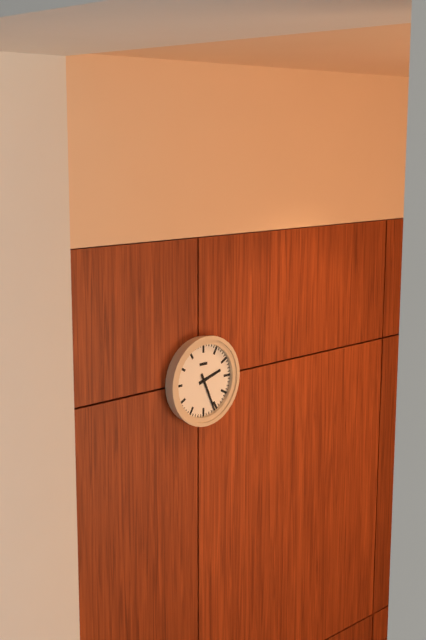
2:26
